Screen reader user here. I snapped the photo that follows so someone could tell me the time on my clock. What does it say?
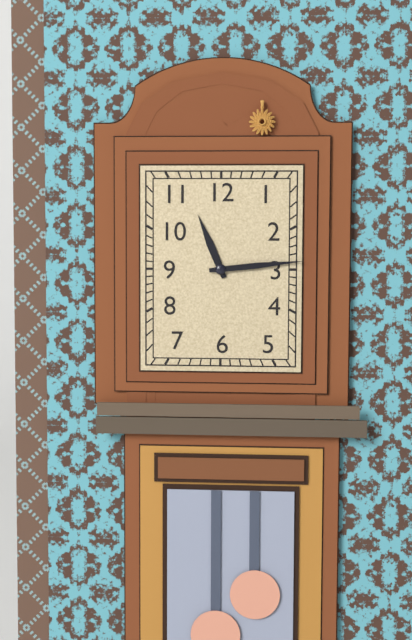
11:14
